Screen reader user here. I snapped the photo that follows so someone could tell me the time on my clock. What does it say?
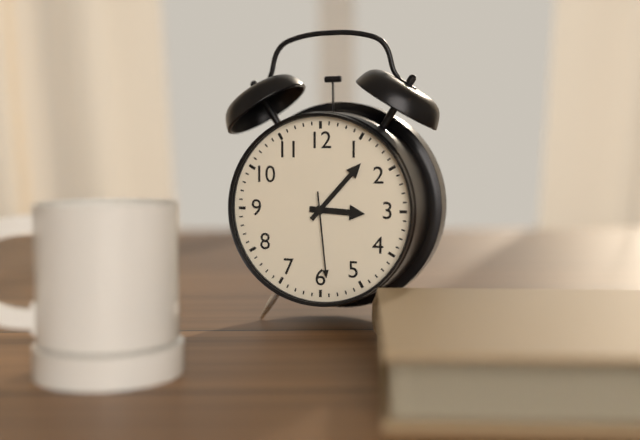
3:07:29
